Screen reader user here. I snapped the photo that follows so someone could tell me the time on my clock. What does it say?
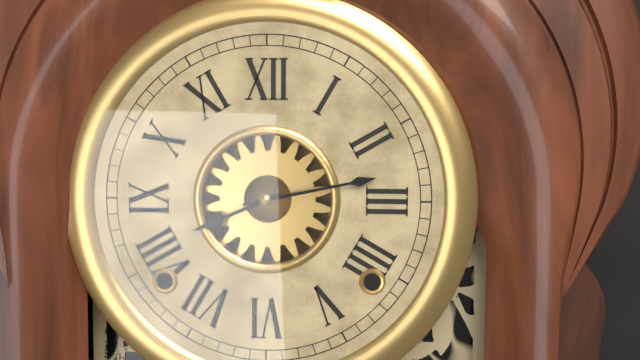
8:13
